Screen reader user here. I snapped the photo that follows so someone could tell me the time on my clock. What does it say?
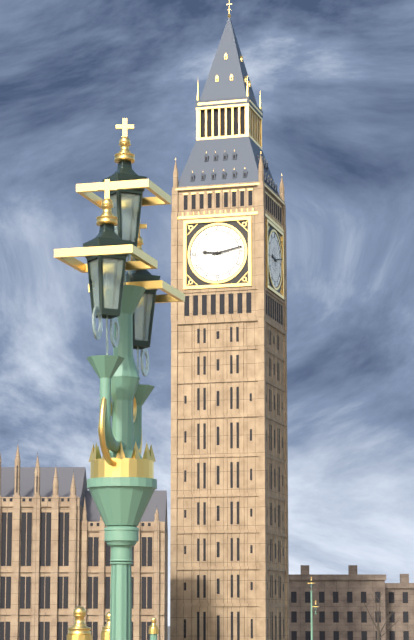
9:13
